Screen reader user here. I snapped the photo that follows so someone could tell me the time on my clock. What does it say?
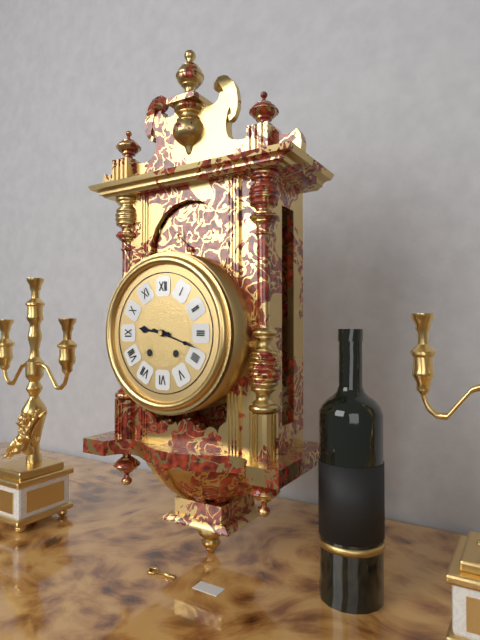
9:18
